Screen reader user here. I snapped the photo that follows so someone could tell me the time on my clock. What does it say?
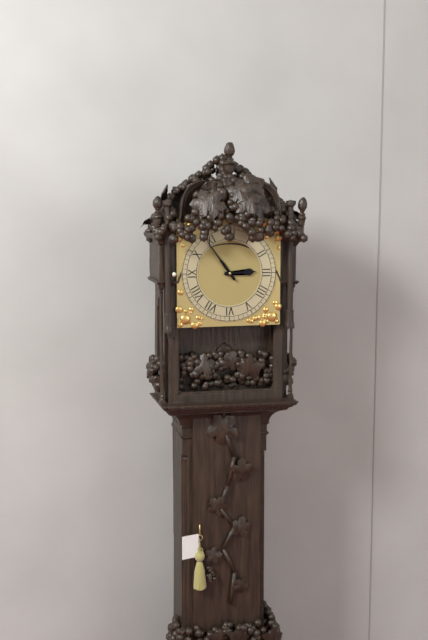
2:54
